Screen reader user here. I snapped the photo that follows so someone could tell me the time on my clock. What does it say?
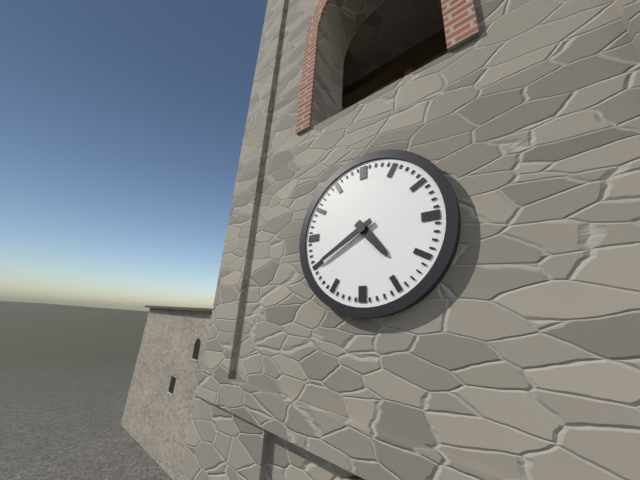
4:40
